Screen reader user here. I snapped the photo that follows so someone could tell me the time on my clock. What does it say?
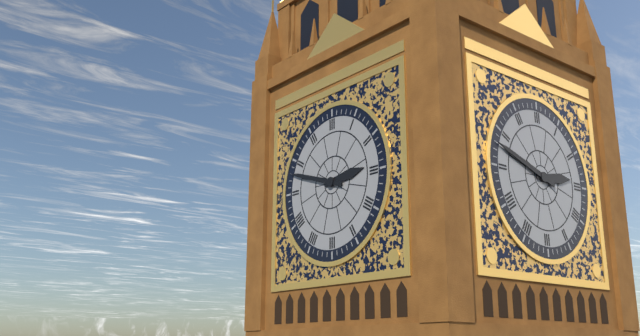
2:48
